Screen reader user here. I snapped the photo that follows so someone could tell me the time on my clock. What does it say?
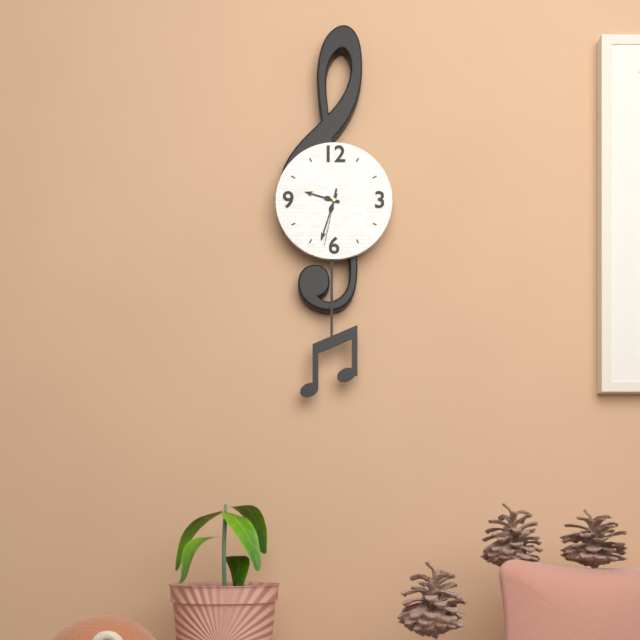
9:33:32
